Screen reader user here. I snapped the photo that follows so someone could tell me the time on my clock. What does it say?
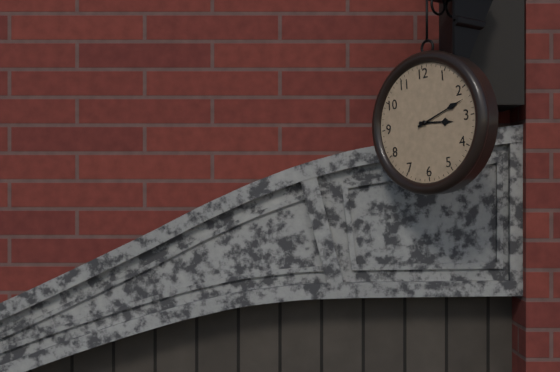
3:12
